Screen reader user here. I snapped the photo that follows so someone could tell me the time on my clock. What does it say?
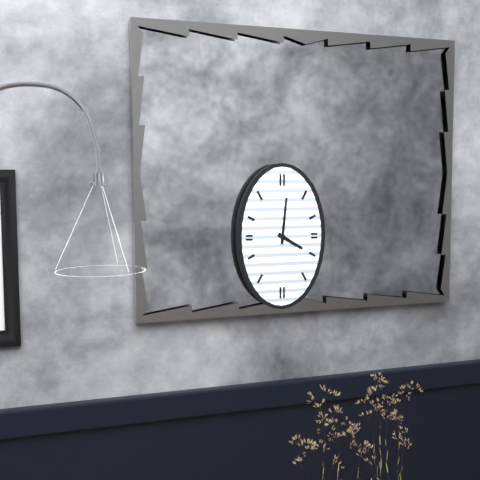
4:01
